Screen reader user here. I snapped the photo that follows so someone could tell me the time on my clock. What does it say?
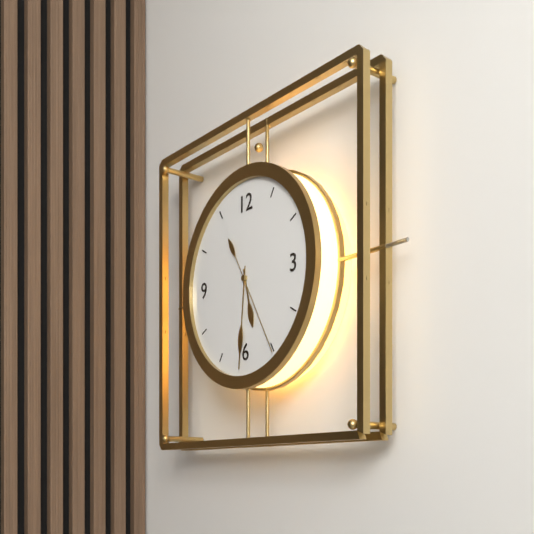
5:31:25
